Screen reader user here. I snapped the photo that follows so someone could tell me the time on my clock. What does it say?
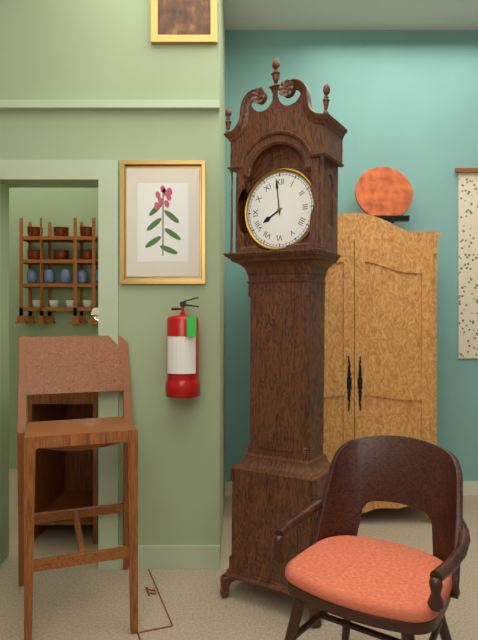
7:59
